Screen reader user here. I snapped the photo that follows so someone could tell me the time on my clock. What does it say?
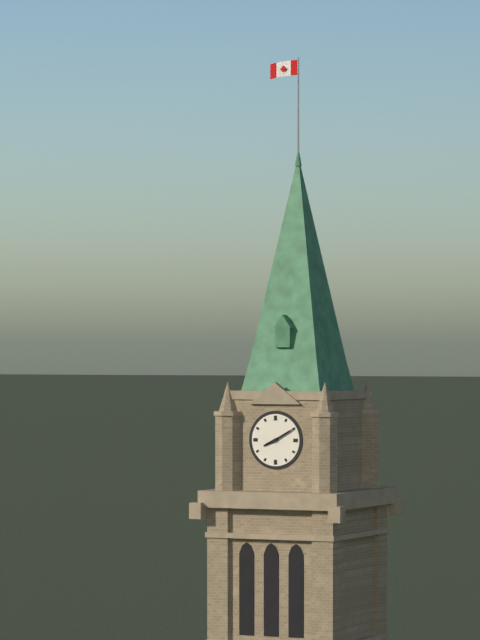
8:10
